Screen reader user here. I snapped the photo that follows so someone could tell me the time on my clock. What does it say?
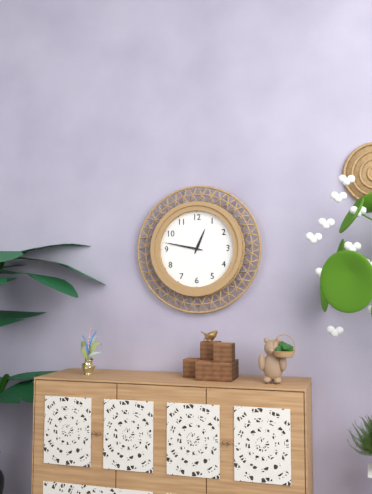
12:47
